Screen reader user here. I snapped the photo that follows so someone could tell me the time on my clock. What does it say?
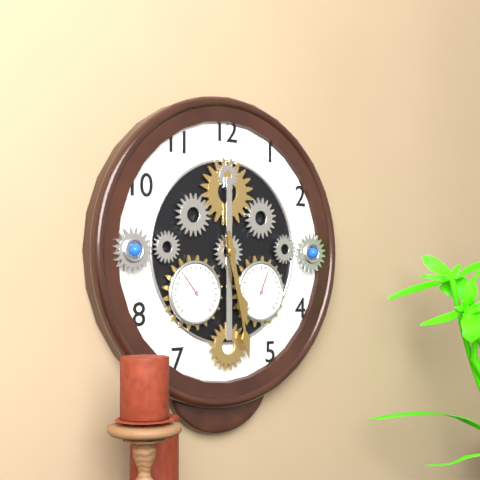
5:28
